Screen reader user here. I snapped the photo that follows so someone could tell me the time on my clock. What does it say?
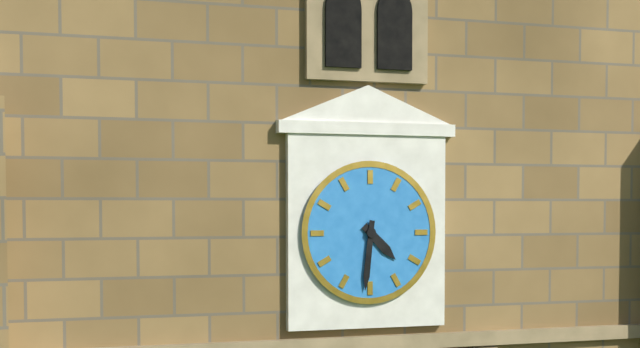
4:31
